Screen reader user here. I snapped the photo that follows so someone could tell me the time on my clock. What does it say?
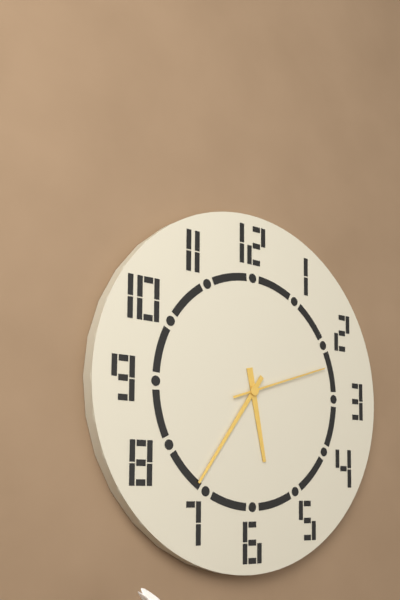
5:36:12
